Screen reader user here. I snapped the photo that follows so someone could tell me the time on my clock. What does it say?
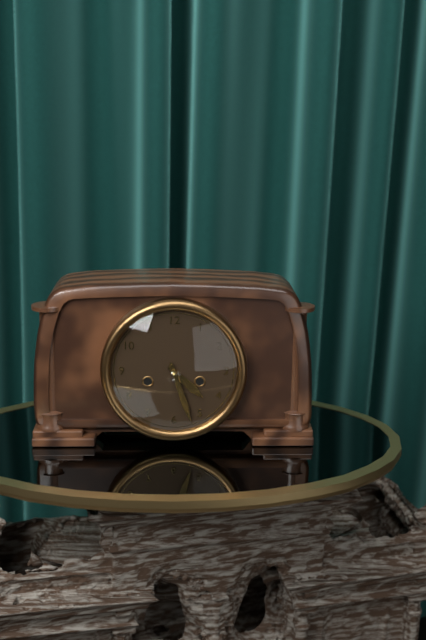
4:27
